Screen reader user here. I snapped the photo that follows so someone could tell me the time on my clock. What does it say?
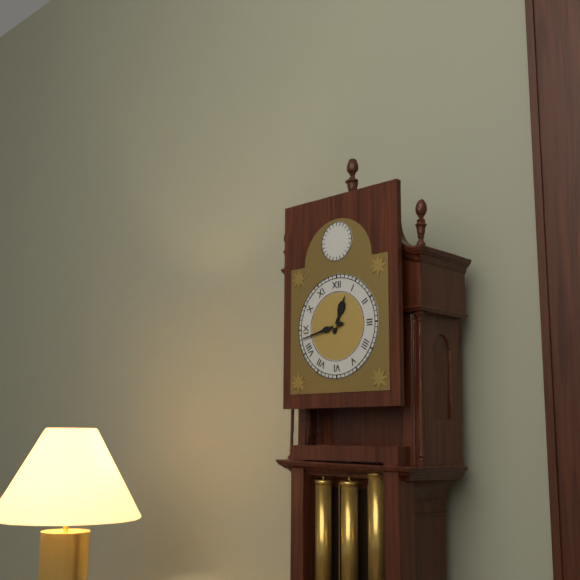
12:43
